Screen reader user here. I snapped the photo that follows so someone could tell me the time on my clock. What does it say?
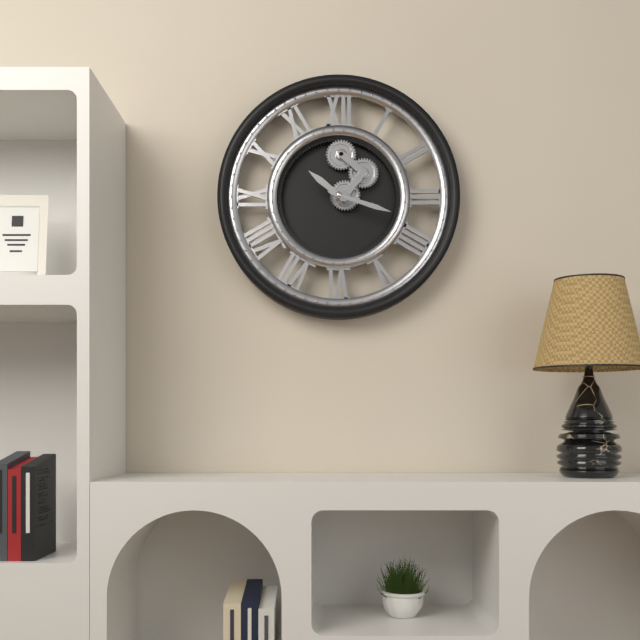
10:18
